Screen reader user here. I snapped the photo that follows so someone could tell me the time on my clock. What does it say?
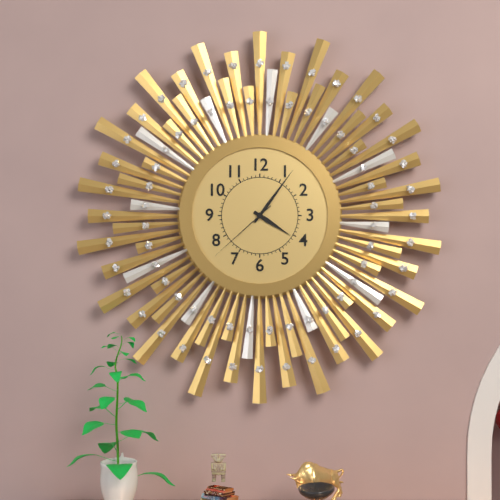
4:06:38
